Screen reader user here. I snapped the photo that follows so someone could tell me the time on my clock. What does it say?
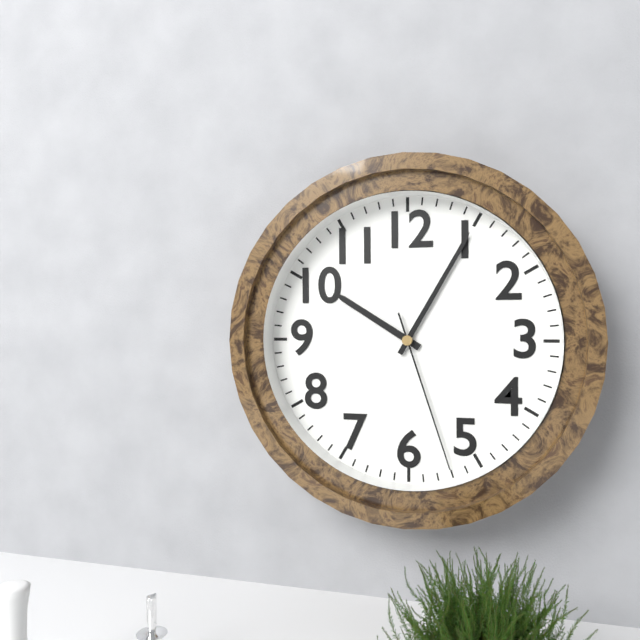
10:05:27
